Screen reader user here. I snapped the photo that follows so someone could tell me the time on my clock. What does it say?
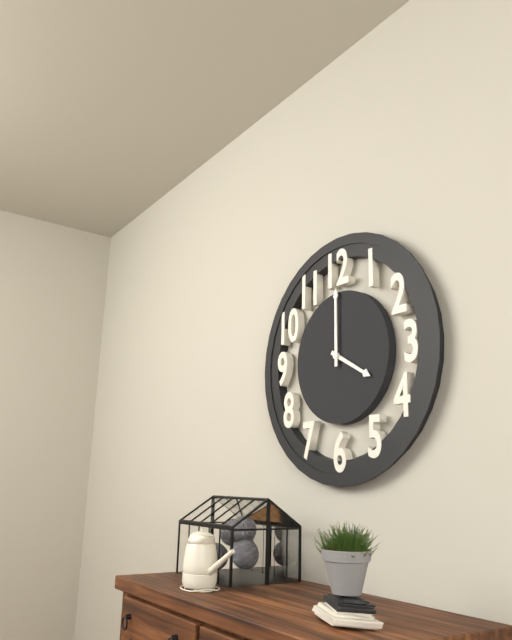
4:00
